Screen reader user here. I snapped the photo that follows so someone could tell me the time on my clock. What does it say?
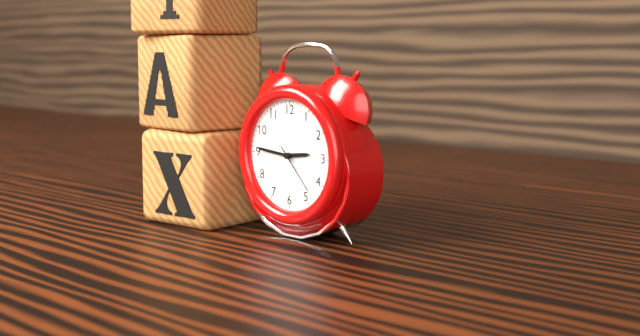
2:46:23
